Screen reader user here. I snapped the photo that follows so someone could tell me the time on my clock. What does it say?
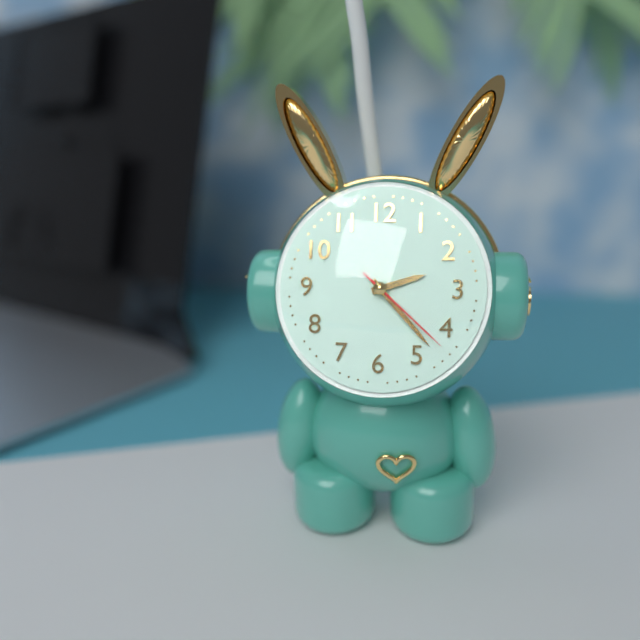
2:23:22
